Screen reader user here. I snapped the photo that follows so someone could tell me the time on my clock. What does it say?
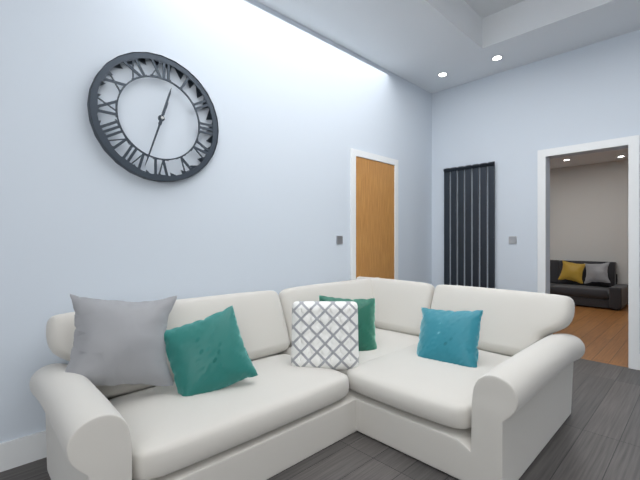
12:33
